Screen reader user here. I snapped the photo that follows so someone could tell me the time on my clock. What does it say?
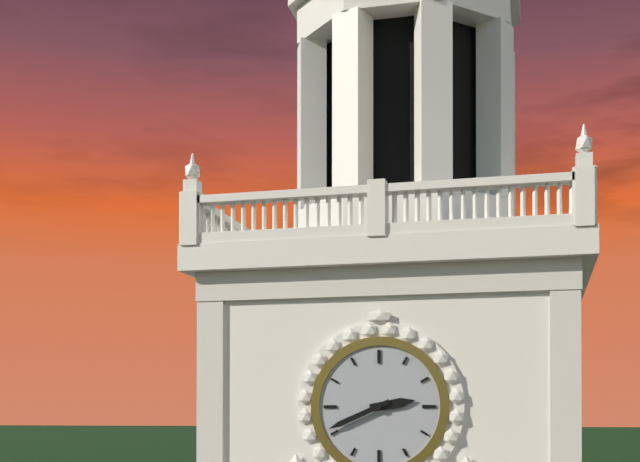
2:41
